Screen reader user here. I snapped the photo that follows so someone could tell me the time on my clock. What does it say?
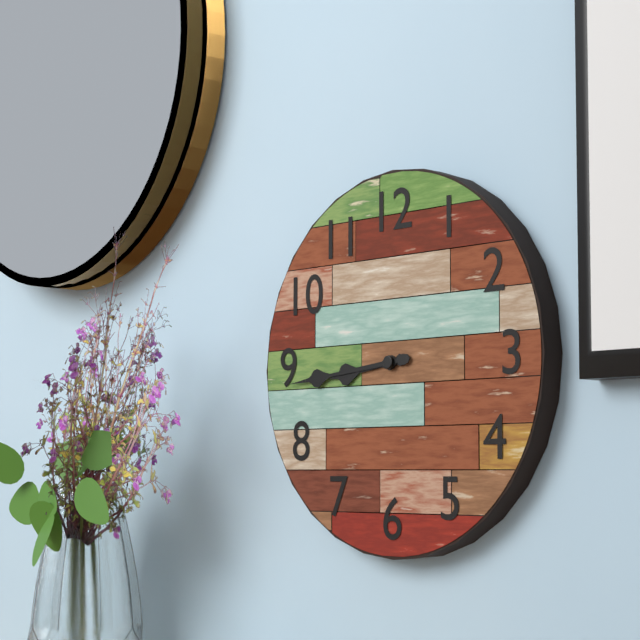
8:44
